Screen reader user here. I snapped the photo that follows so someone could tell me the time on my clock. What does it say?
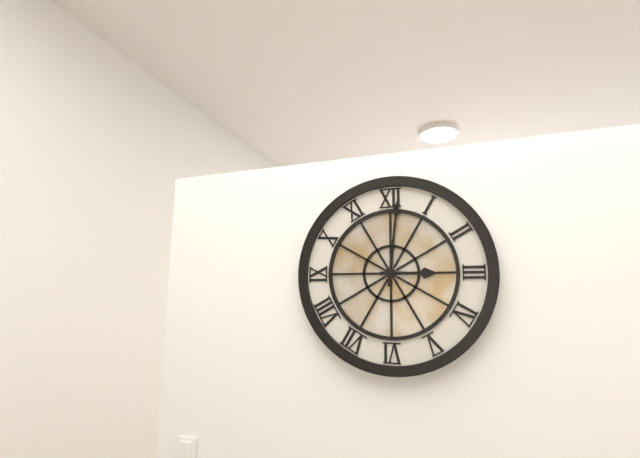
3:01
